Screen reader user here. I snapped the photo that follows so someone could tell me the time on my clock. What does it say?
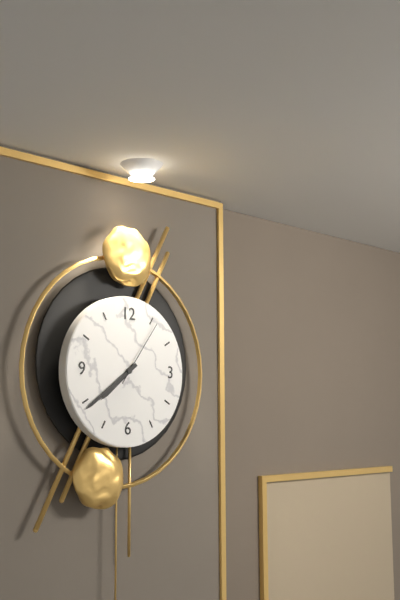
7:39:06
